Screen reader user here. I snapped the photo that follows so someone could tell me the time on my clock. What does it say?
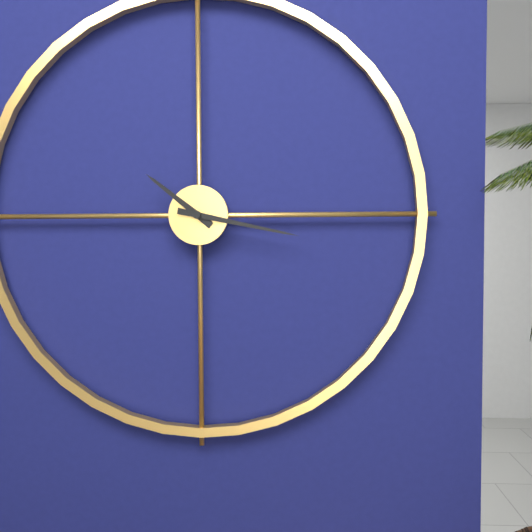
10:17
